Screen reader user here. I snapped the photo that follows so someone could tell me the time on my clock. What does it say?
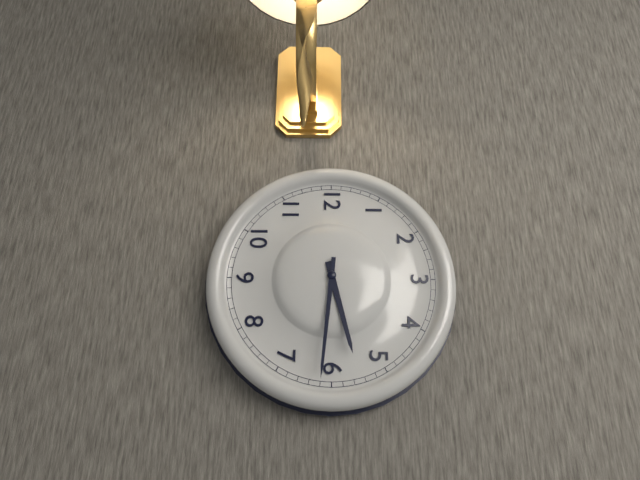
5:31
